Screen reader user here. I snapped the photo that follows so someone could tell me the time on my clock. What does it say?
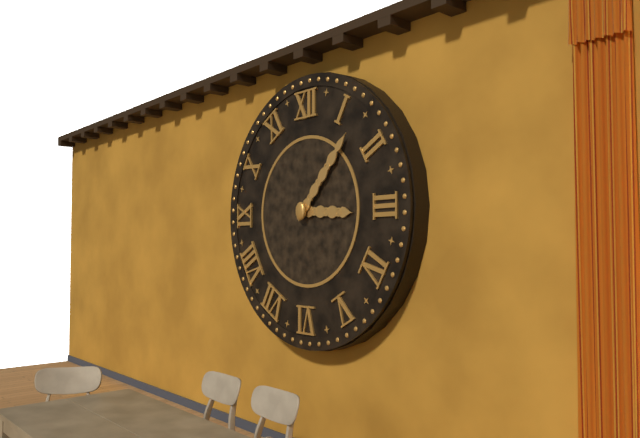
3:07
